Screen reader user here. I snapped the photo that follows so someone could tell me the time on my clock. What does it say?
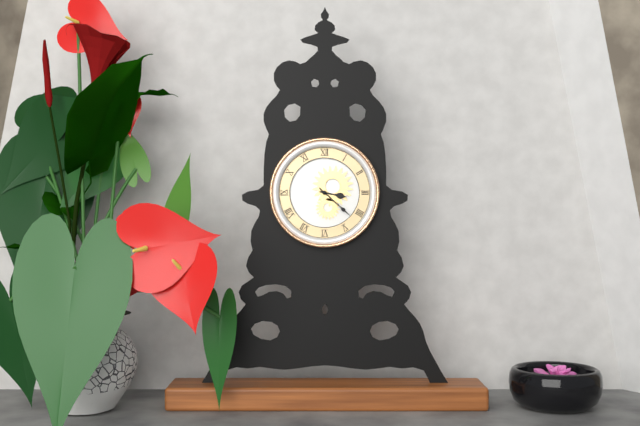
3:22
